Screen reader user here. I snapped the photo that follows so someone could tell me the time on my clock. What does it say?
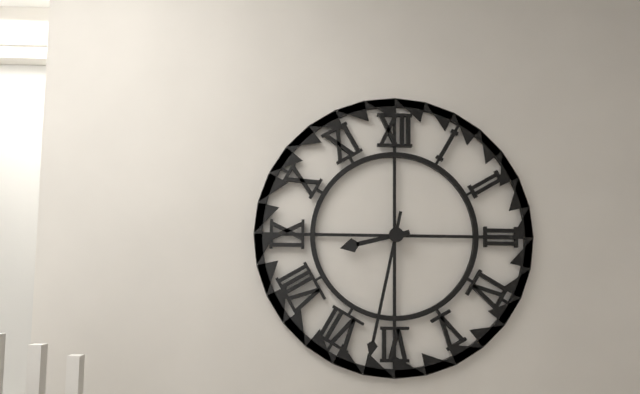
8:32
